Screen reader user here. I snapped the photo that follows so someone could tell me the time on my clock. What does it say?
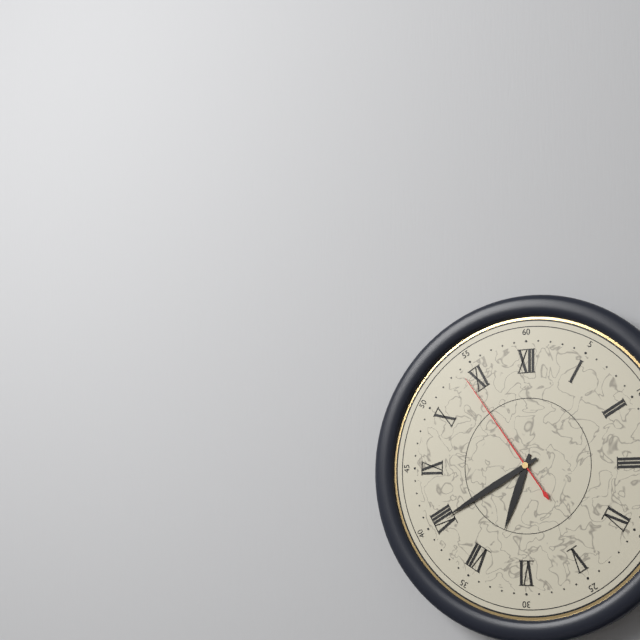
6:40:54
